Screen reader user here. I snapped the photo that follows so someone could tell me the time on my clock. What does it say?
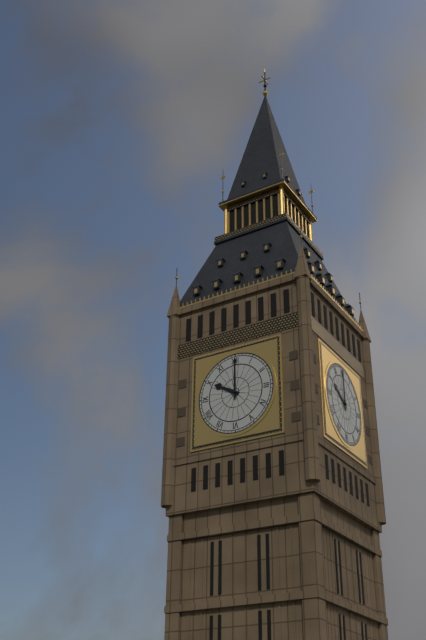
10:00
